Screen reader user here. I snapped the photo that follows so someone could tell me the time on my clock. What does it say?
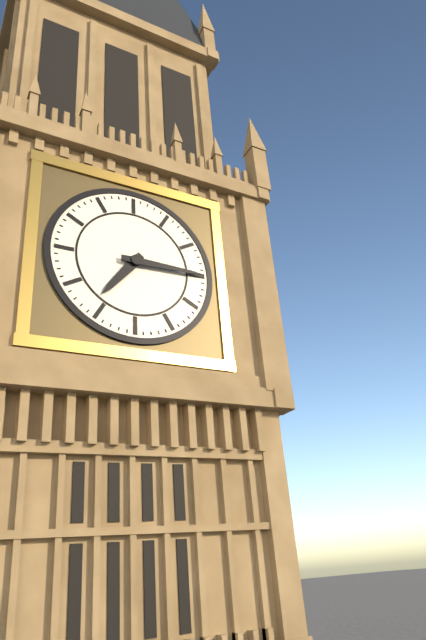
7:15
